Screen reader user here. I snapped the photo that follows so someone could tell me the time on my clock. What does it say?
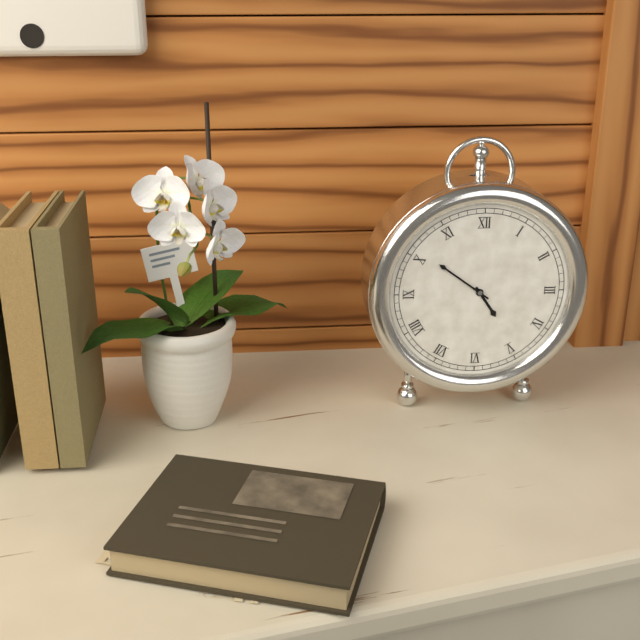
4:51
